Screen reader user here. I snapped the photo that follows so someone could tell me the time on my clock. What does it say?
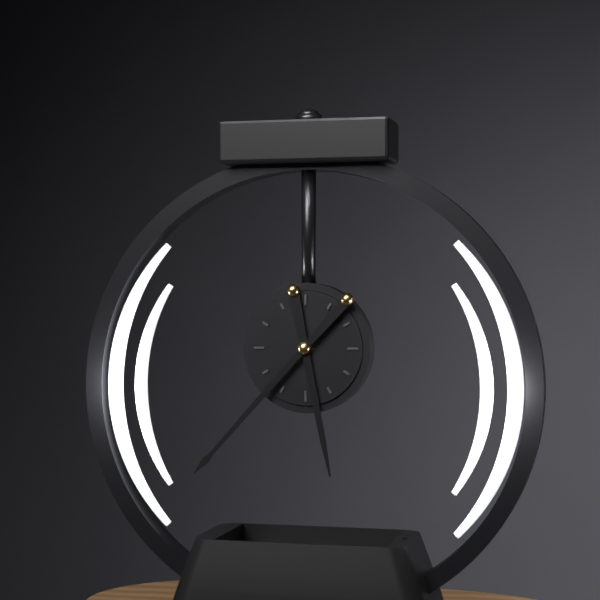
5:37
